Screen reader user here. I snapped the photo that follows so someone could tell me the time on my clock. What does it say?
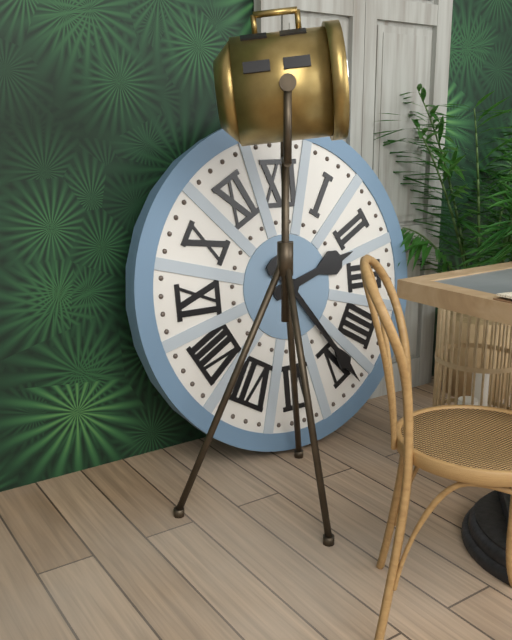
2:24
